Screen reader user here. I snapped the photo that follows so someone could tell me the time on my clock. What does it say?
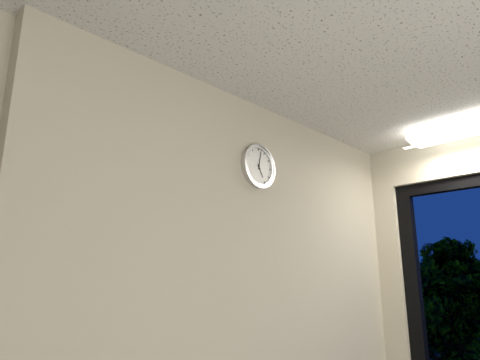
5:02
